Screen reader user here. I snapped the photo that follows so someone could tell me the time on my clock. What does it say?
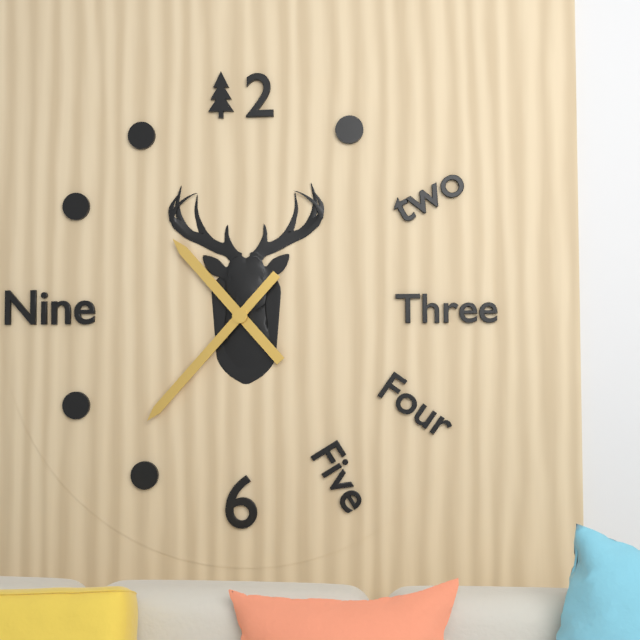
10:37
